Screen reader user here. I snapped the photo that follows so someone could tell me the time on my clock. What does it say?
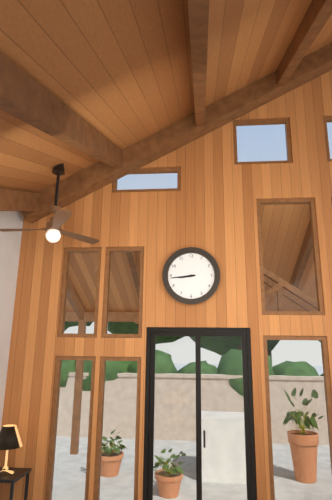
8:44
